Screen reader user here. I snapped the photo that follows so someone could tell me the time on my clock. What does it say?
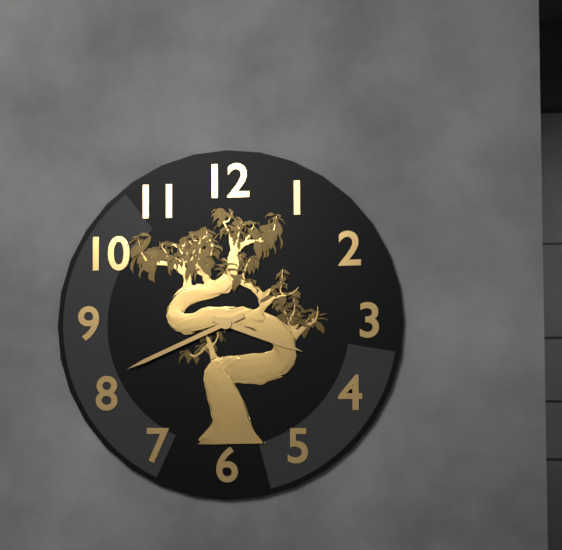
3:41
